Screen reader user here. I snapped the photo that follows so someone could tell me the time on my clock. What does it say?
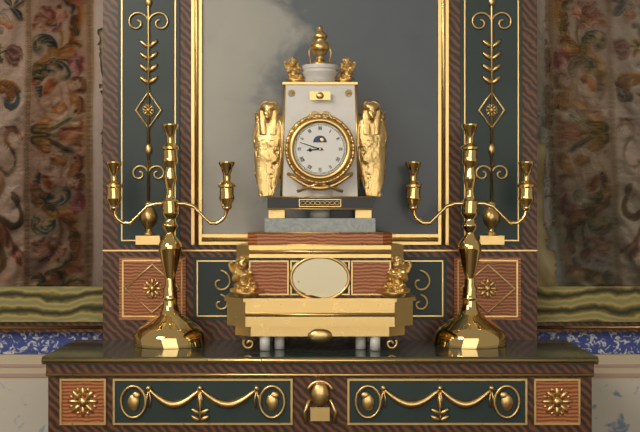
8:48
